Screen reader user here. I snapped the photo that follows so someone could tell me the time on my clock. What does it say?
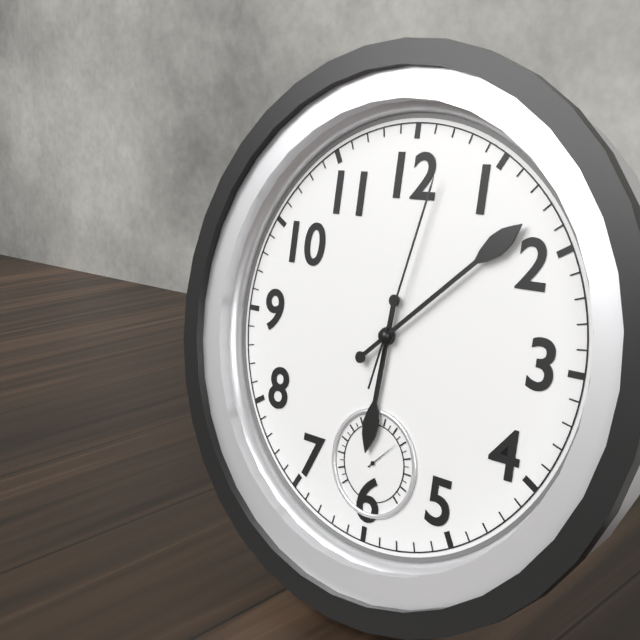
6:08:02
